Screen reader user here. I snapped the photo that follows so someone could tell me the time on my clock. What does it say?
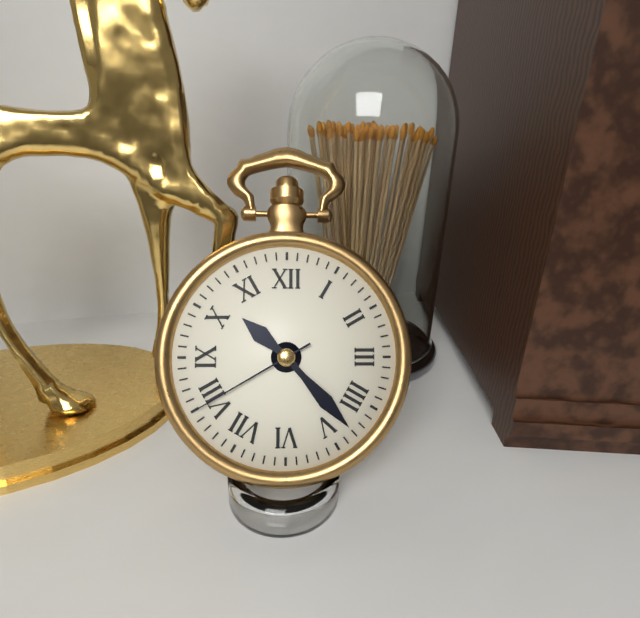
10:23:40
